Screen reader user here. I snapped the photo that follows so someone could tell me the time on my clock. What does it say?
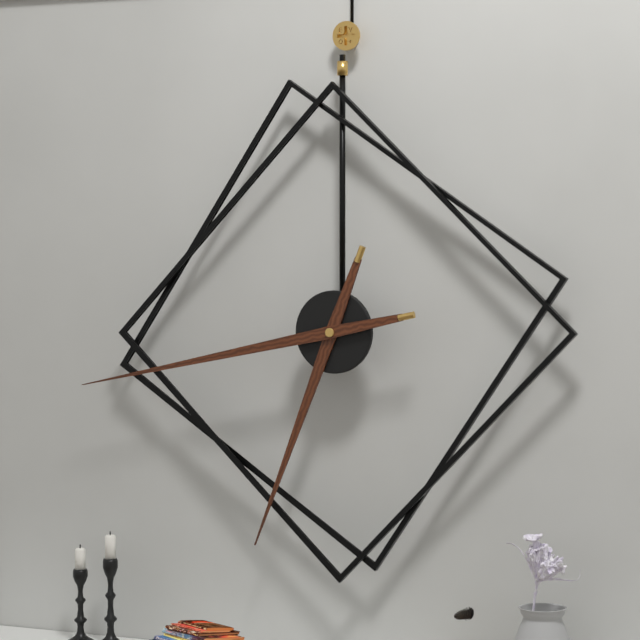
6:43
